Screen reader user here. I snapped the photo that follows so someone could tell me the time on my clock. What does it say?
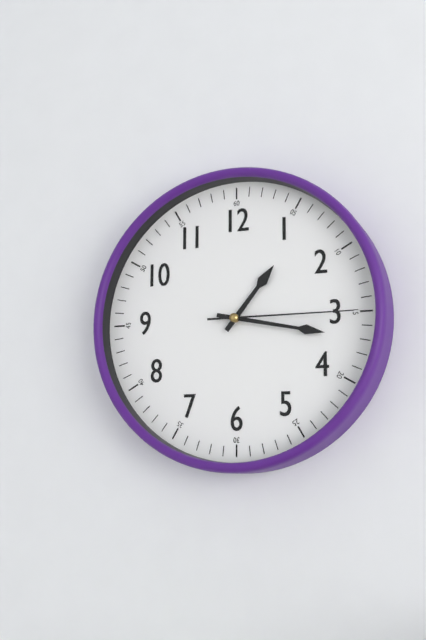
1:17:15
